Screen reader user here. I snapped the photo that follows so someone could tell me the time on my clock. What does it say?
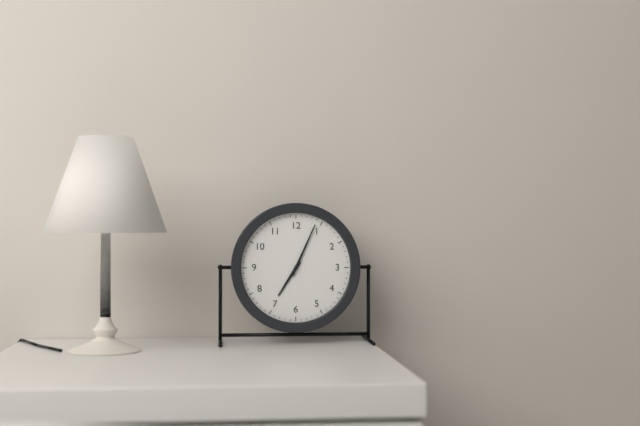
7:04
